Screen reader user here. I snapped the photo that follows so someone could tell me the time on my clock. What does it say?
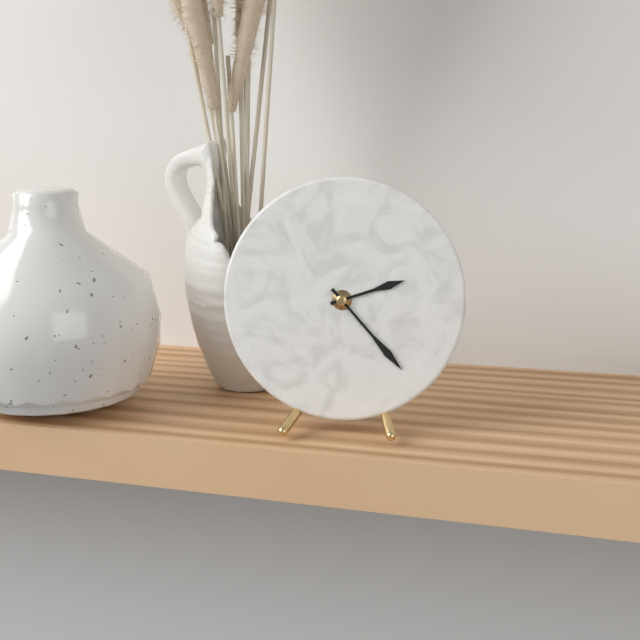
2:23
